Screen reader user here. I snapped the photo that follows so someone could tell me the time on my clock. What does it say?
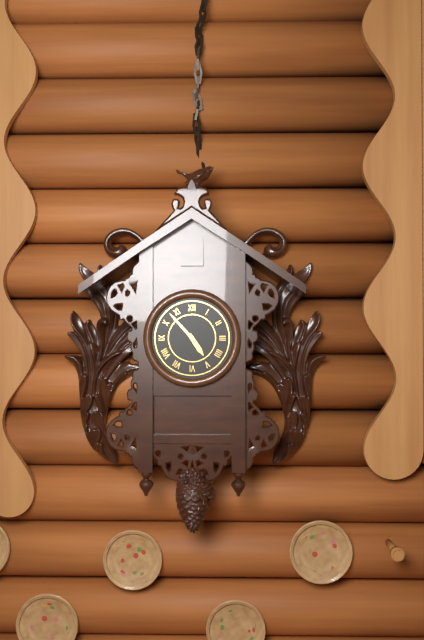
4:53
